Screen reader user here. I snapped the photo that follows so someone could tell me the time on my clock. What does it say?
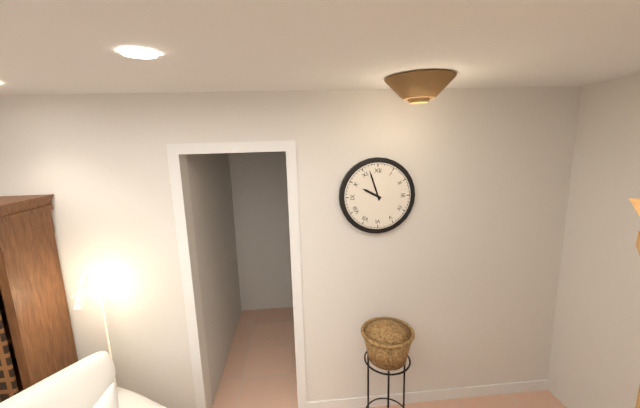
9:57
